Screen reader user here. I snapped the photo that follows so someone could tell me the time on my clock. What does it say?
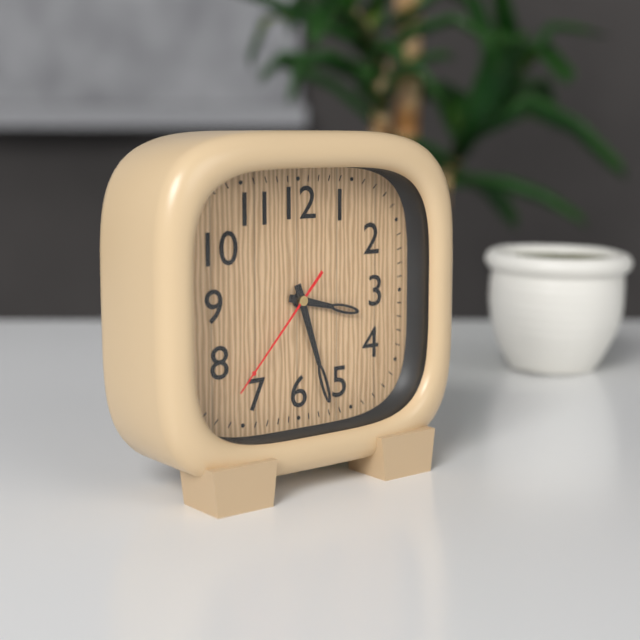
3:27:37
